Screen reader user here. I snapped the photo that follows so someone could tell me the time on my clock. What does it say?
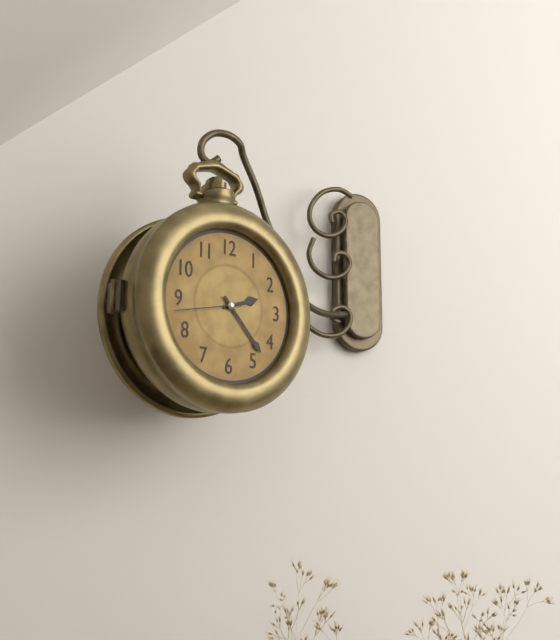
2:23:43
